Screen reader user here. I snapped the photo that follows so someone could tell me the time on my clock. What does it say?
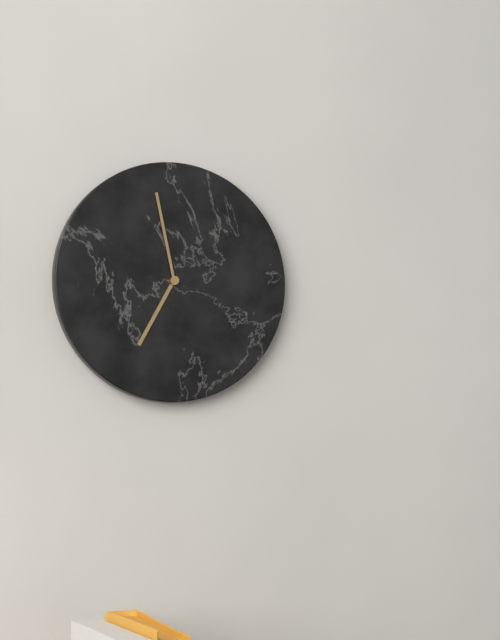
6:58
